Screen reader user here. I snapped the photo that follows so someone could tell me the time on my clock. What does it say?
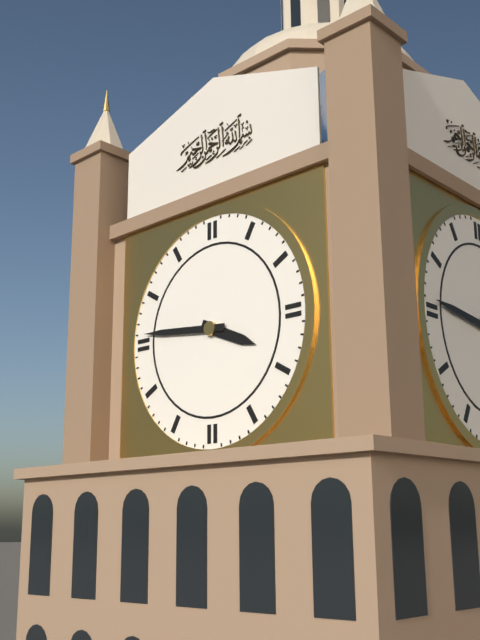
3:46
